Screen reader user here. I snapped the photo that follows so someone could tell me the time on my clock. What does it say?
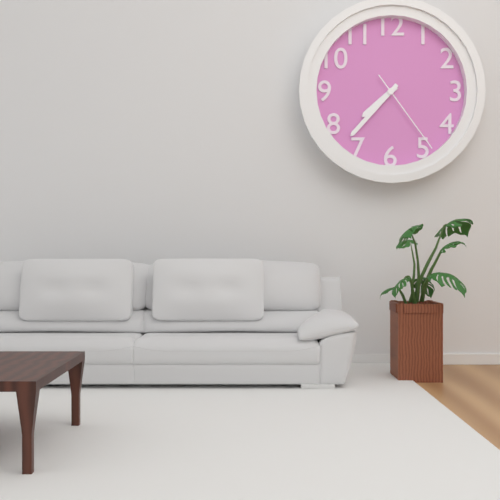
7:37:24
